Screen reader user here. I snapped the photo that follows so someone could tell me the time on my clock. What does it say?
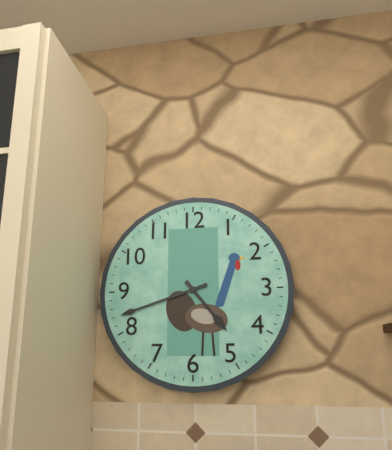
4:42
